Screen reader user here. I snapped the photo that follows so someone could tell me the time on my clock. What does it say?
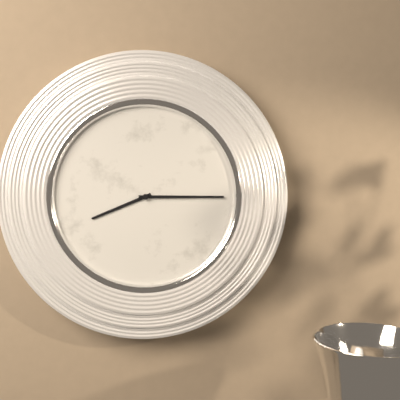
8:15
